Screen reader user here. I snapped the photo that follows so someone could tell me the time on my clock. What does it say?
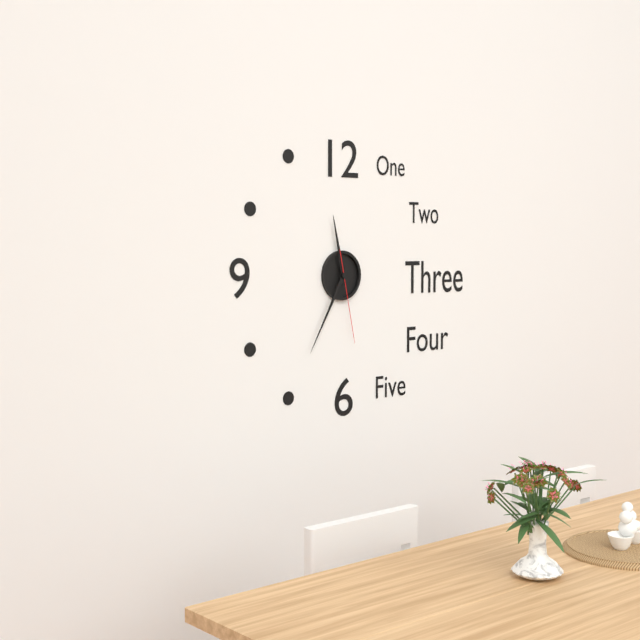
11:35:28
